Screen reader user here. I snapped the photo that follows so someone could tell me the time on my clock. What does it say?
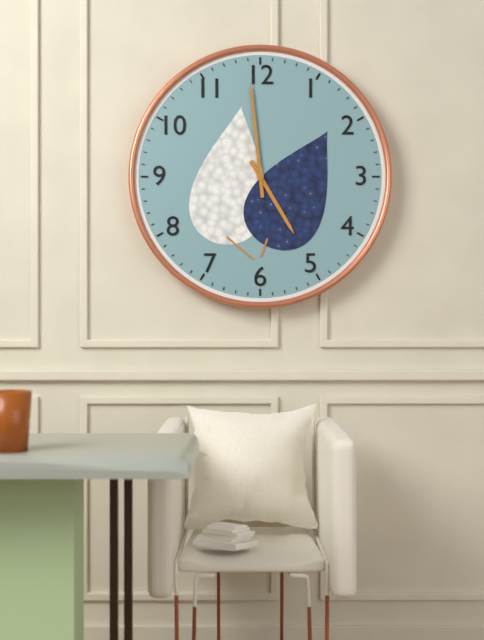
4:59
